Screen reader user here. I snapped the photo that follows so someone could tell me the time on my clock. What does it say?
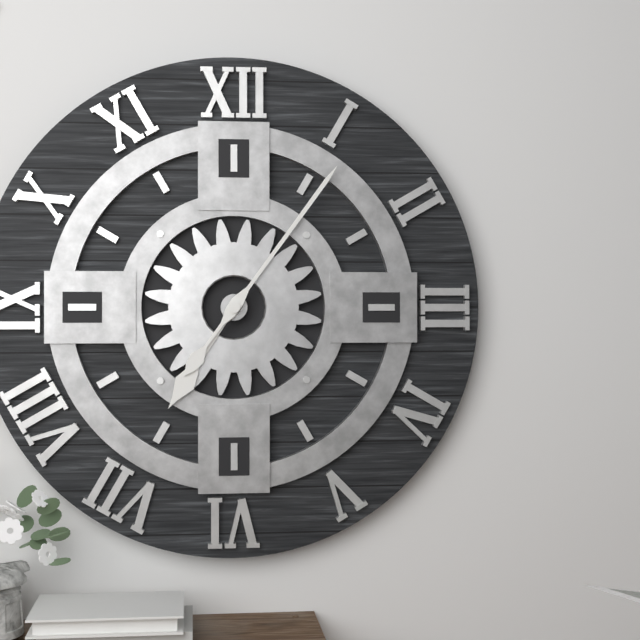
7:06
